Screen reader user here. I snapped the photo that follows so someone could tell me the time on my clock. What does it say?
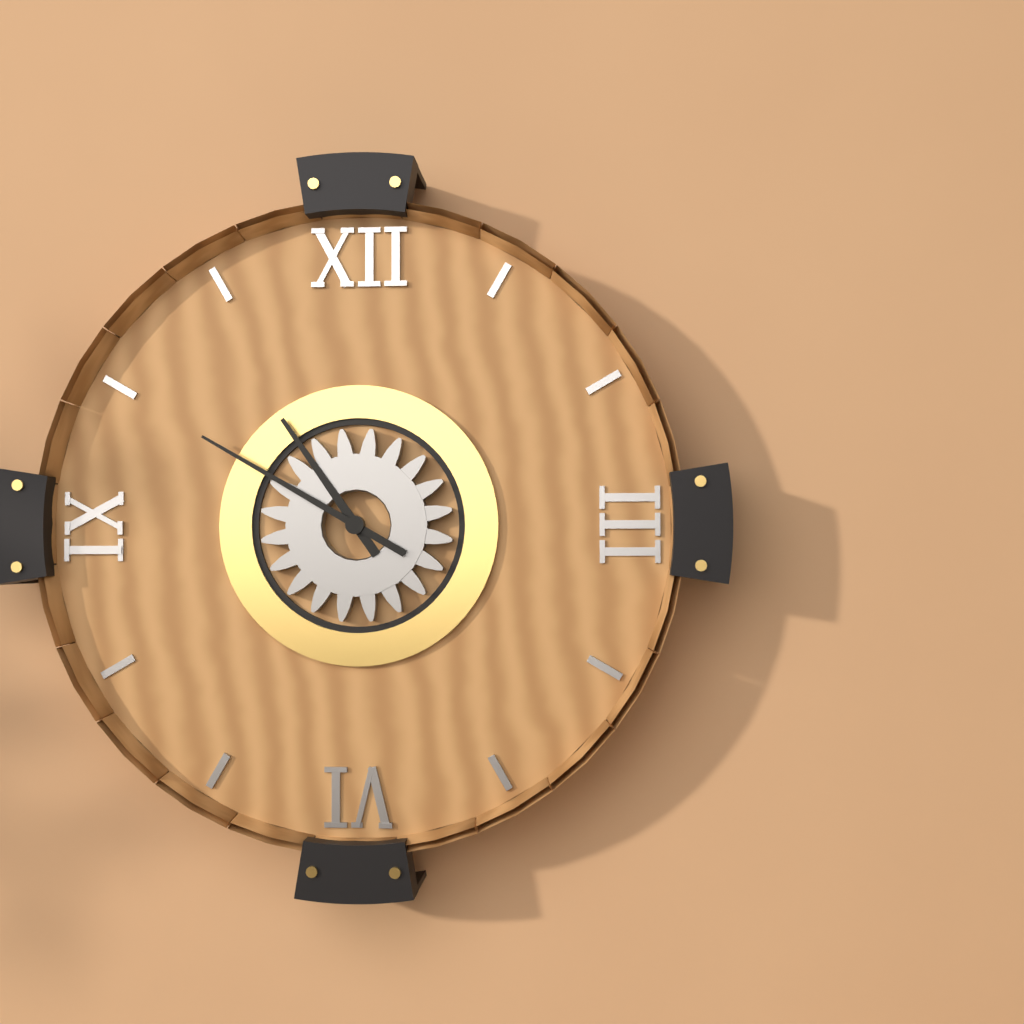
10:50
